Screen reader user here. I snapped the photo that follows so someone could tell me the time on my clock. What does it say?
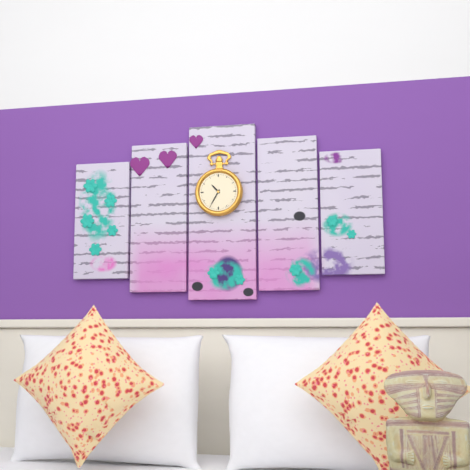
10:35
